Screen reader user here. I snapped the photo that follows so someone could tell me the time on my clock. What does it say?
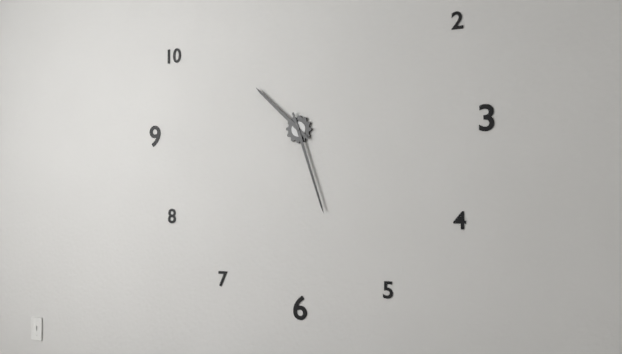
10:27
